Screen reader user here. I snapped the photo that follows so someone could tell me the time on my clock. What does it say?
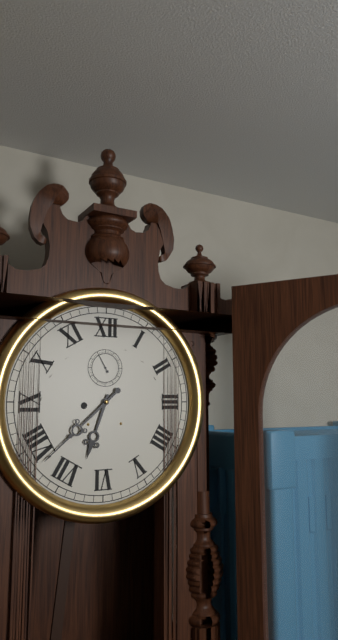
6:38
